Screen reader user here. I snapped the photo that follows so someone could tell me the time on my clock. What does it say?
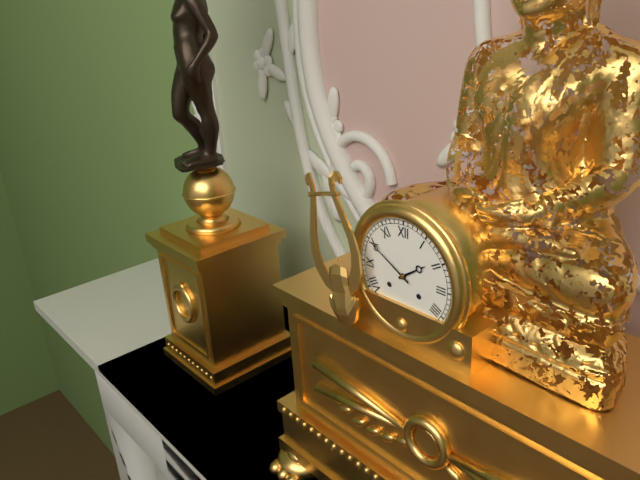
1:50
